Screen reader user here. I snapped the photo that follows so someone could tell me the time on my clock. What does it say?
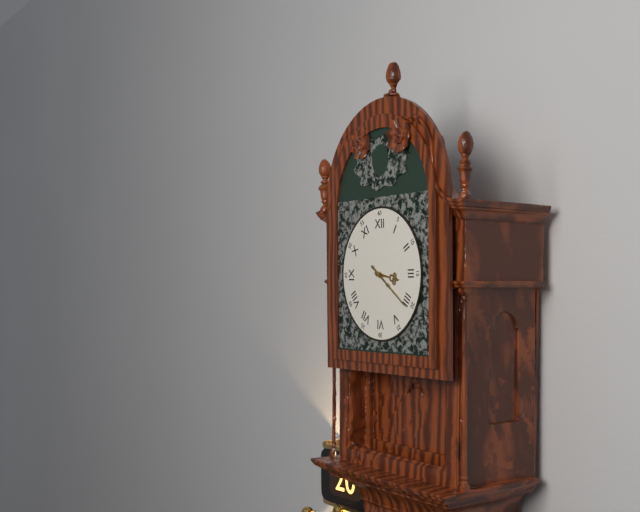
3:21
